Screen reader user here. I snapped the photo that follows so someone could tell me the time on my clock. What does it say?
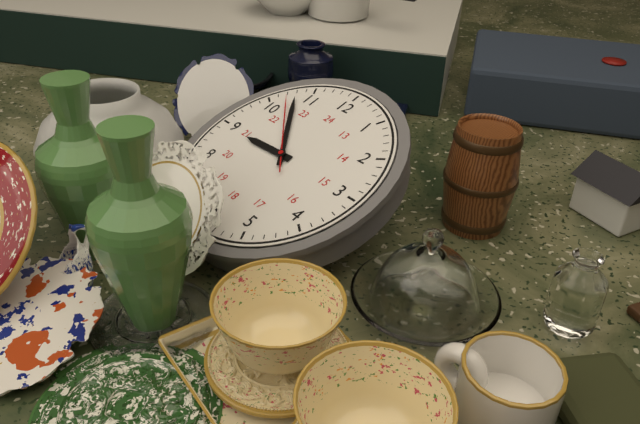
8:53:52
